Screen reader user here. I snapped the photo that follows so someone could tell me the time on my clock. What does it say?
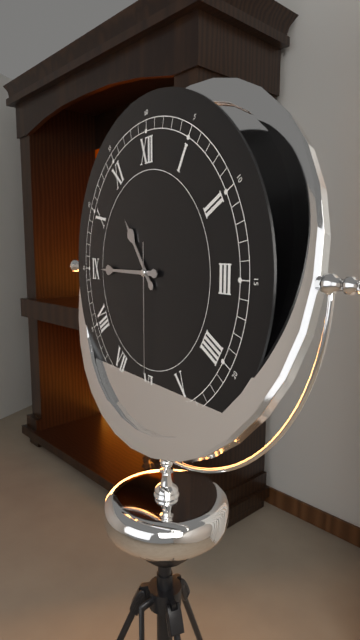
10:45:30
